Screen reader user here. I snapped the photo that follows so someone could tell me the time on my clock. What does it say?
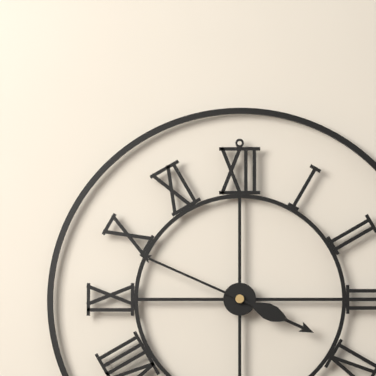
3:49
